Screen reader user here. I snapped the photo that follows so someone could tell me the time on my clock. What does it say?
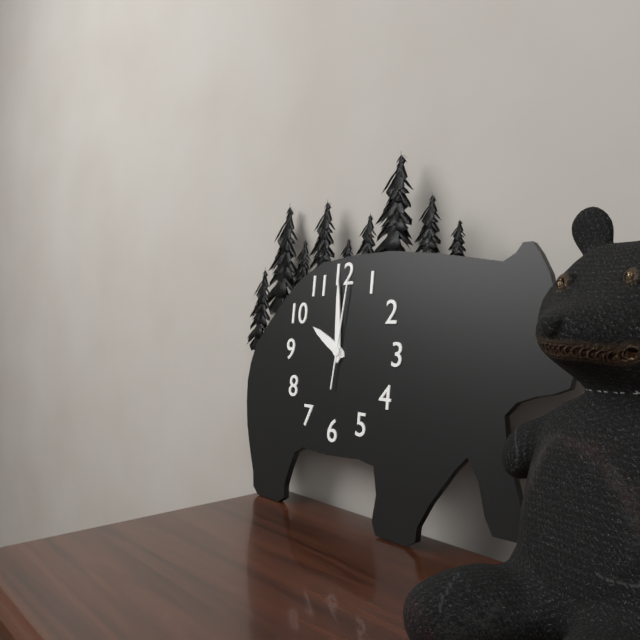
9:59:01
